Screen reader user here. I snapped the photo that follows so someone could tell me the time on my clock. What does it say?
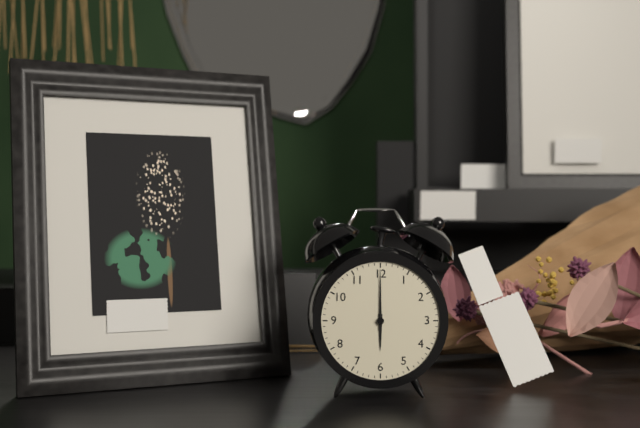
6:00
